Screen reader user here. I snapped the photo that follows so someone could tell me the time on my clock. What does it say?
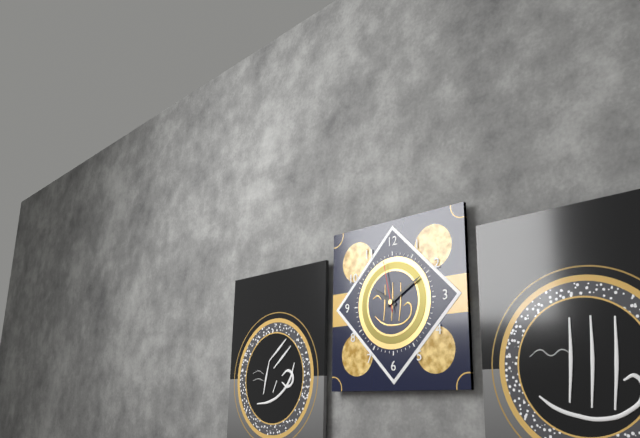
10:10:58
